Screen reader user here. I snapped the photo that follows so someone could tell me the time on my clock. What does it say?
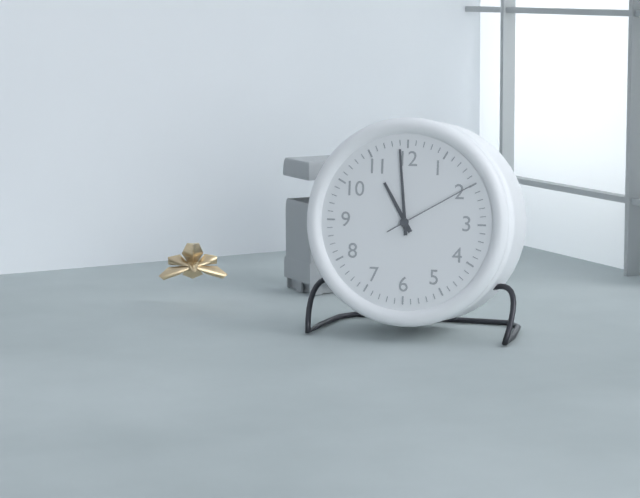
10:59:10
